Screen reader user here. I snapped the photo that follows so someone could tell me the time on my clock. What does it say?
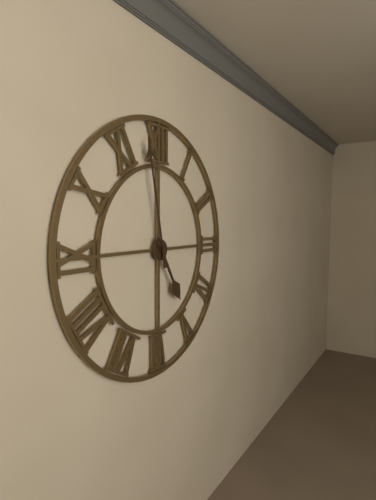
4:58
